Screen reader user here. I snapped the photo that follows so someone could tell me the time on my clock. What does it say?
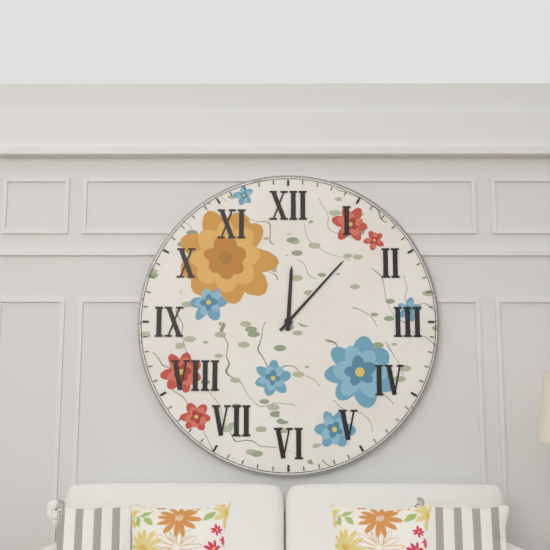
12:07
